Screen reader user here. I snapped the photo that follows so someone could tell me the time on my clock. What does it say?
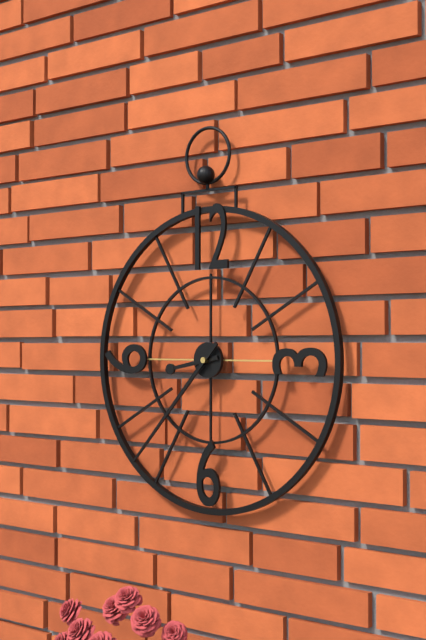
8:37
